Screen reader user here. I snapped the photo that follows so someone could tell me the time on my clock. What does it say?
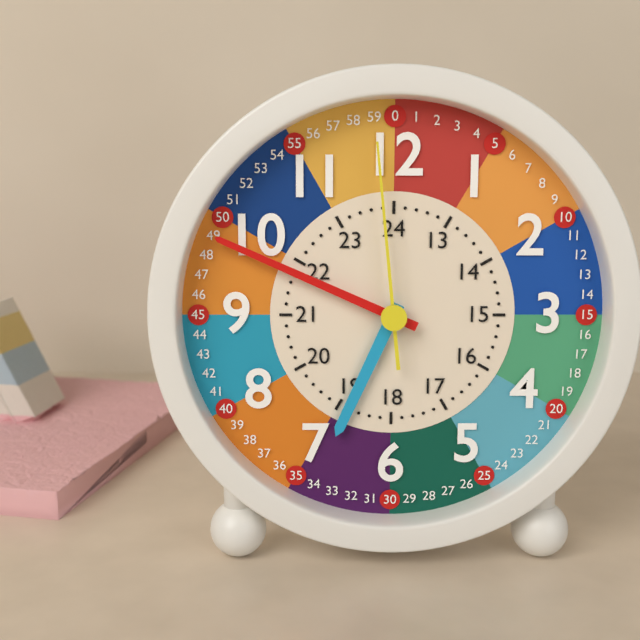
6:49:59
